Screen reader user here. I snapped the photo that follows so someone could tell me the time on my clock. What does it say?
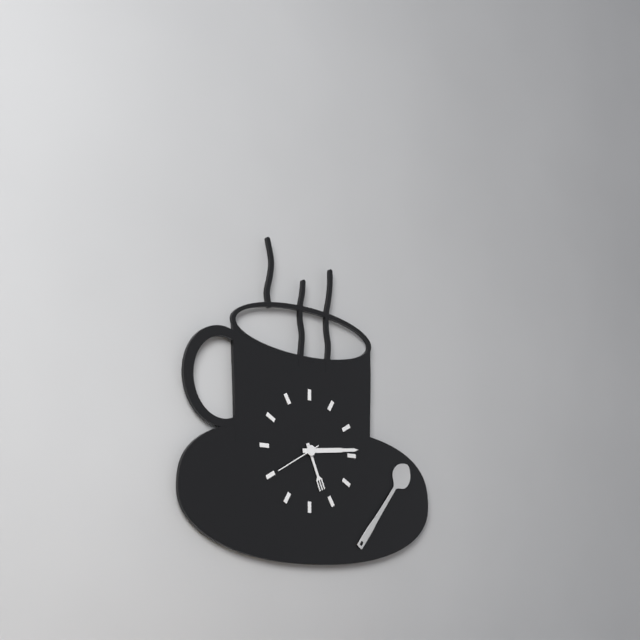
5:14
